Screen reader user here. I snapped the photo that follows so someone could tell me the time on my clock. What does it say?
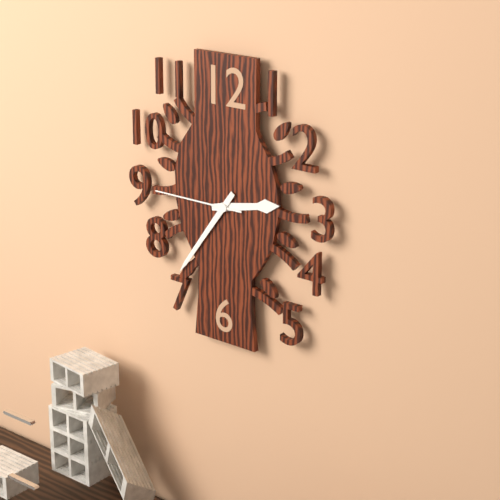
2:36:45
